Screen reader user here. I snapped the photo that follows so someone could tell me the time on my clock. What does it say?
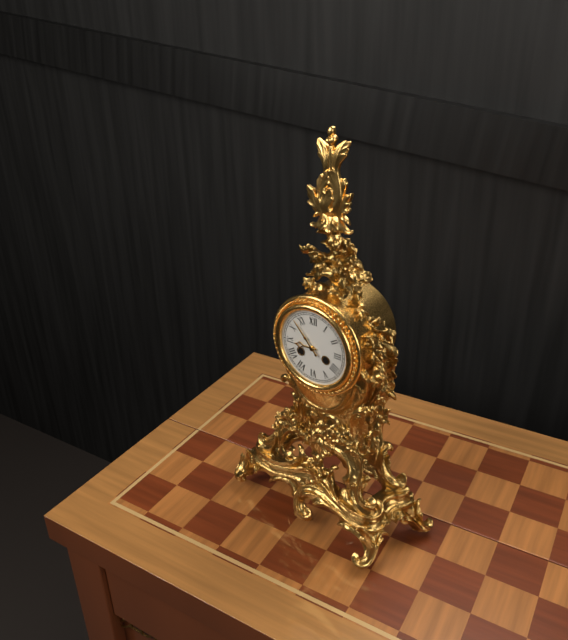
8:53
